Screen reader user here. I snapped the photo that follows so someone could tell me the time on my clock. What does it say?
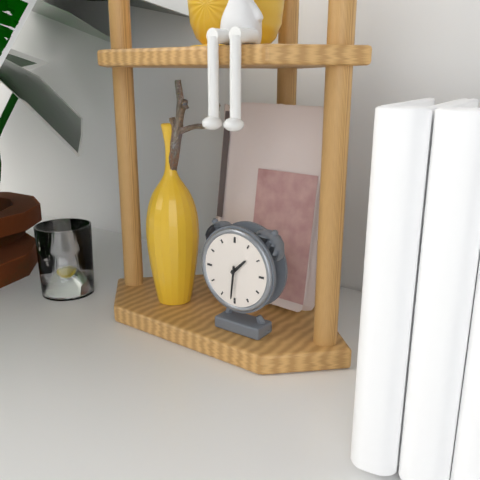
1:31
